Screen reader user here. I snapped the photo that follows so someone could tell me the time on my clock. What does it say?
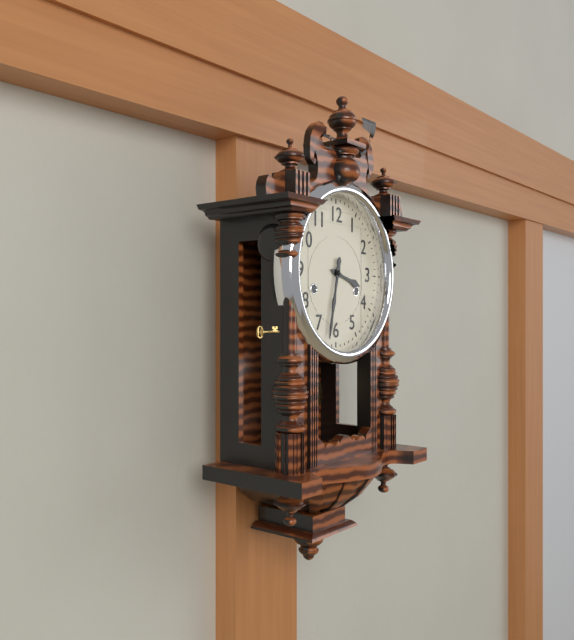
3:32
